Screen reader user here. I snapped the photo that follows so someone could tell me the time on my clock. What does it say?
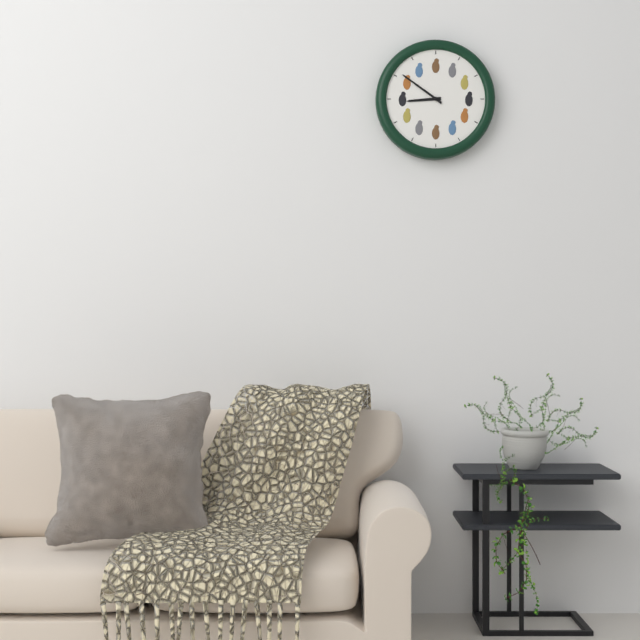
8:51
